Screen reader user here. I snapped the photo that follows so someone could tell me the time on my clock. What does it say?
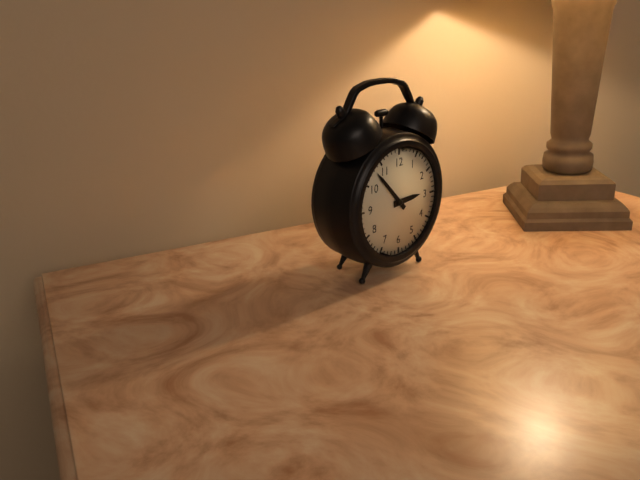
2:53
